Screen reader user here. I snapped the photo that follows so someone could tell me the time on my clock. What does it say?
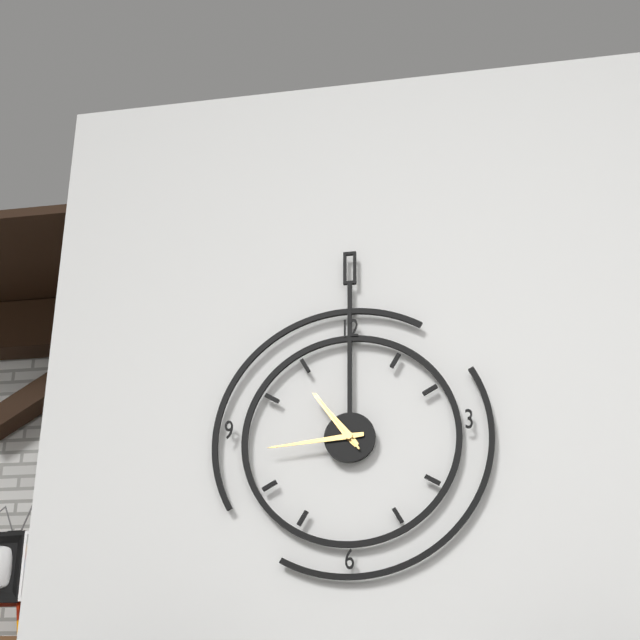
10:44:54
